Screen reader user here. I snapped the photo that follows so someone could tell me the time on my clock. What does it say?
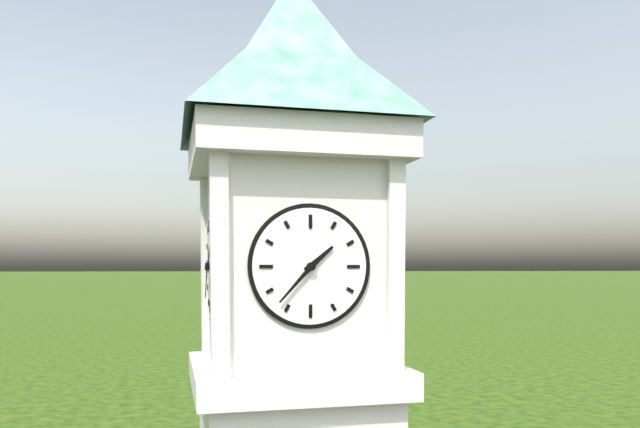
1:37
